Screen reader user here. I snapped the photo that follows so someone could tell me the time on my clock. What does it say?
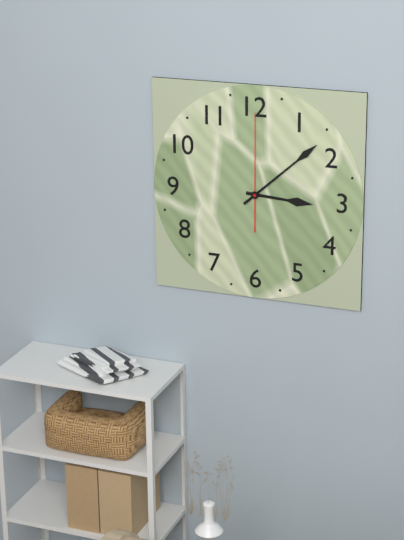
3:08:00
